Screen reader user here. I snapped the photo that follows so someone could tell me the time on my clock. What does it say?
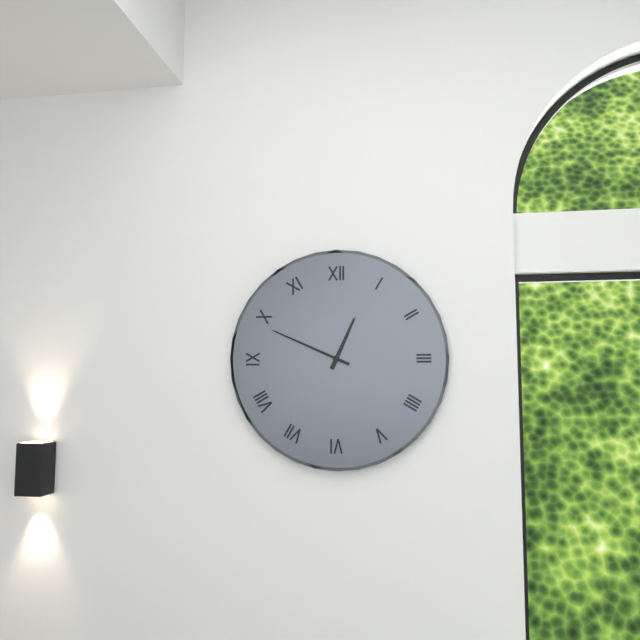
12:49
